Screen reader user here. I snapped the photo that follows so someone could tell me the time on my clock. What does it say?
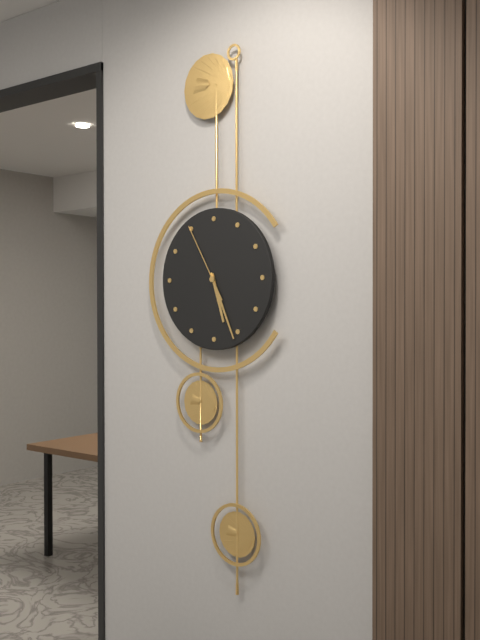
5:26:55
